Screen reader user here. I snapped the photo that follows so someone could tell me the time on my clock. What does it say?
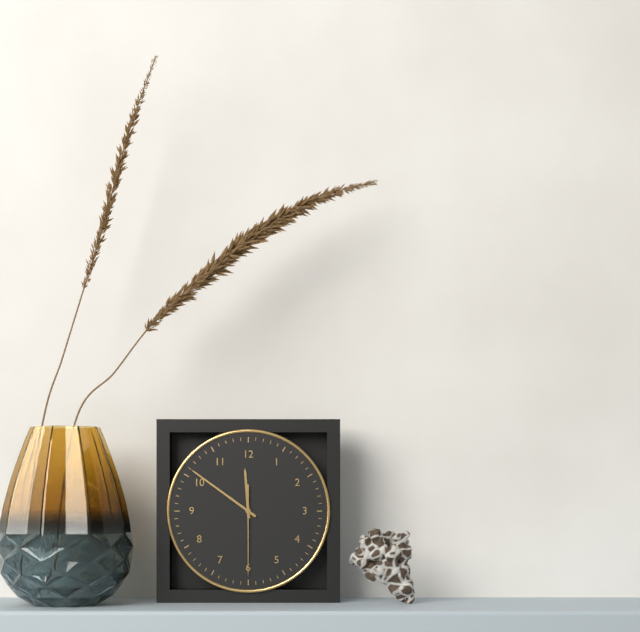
11:51:30
